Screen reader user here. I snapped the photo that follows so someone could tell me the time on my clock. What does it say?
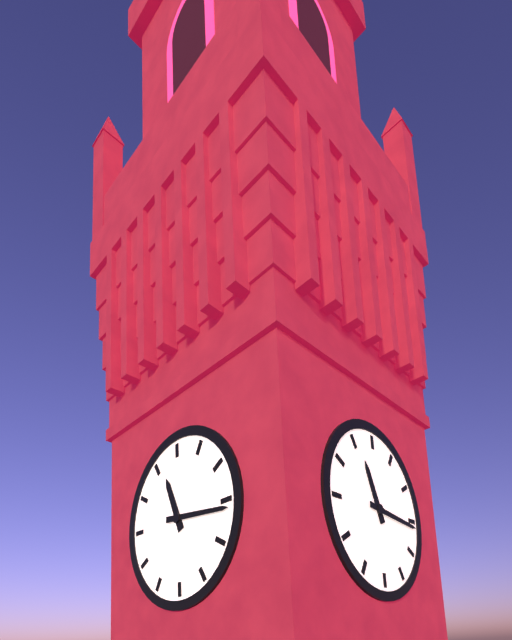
11:16
